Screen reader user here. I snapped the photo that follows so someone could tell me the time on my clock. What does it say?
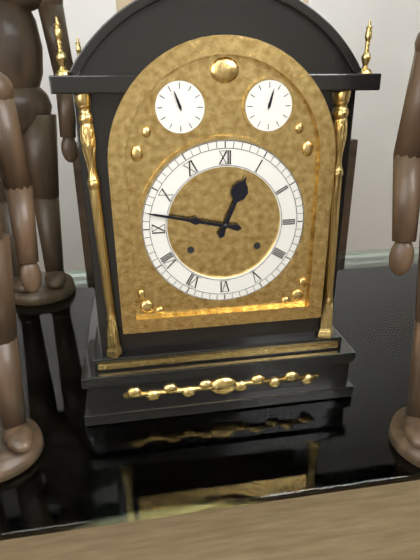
12:47
